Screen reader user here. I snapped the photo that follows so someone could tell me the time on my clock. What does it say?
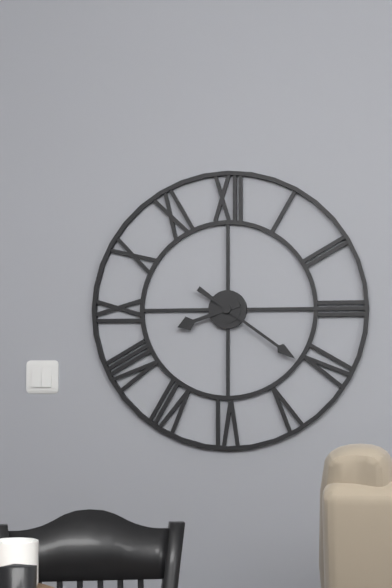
8:21
